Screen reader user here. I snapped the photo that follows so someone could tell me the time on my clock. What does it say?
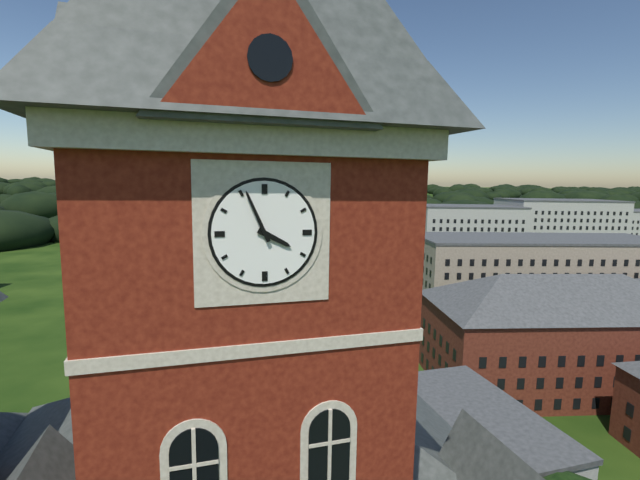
3:56
